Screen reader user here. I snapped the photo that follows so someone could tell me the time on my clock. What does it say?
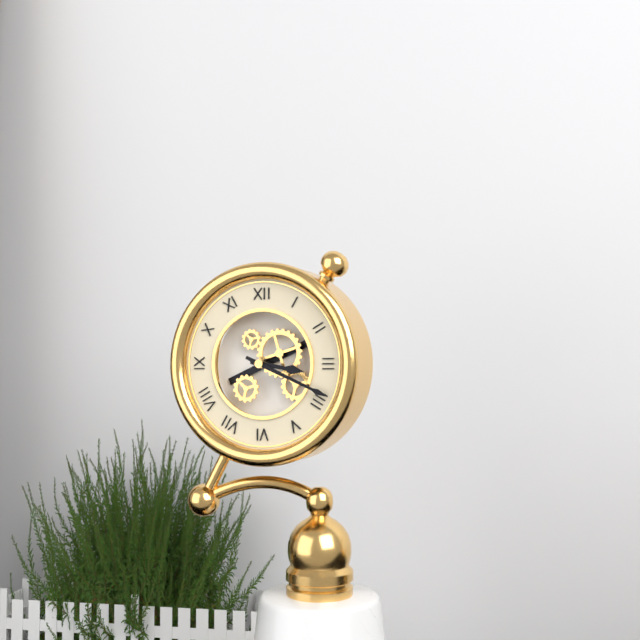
3:19
